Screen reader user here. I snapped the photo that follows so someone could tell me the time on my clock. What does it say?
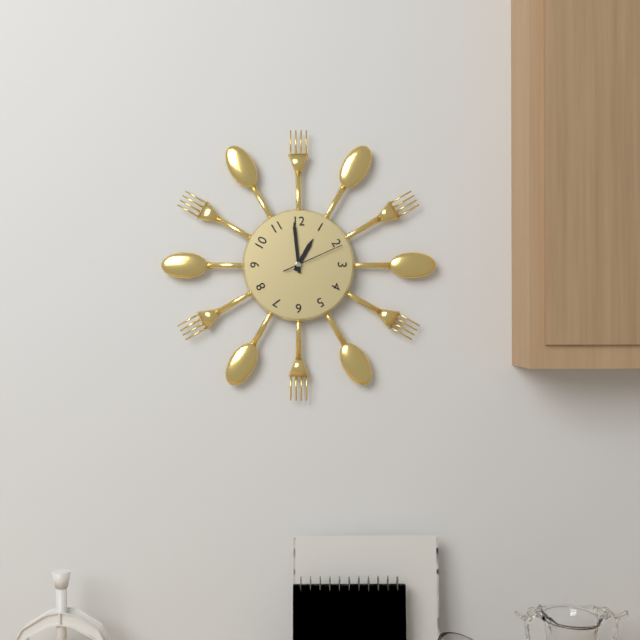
12:59:11
